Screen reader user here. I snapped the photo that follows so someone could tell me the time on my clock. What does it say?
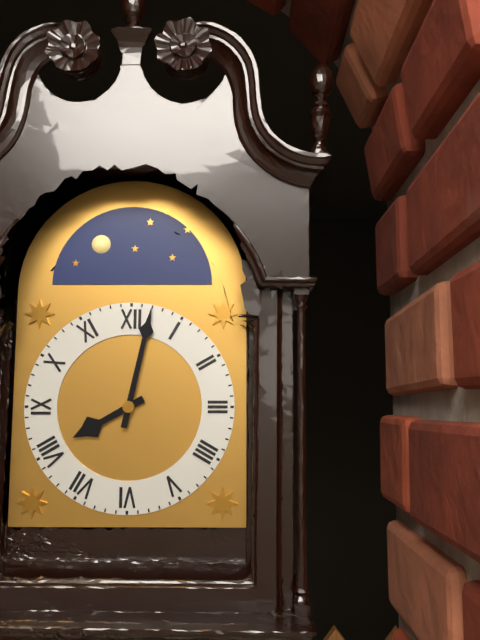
8:02
